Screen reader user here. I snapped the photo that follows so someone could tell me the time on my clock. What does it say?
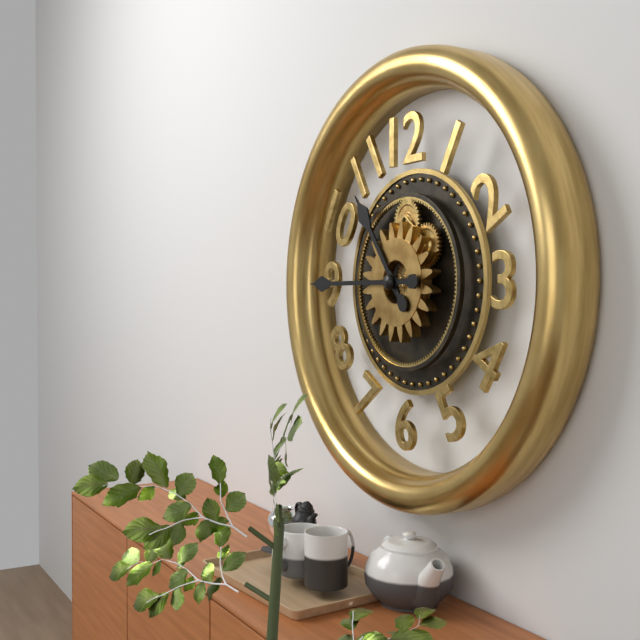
10:45
